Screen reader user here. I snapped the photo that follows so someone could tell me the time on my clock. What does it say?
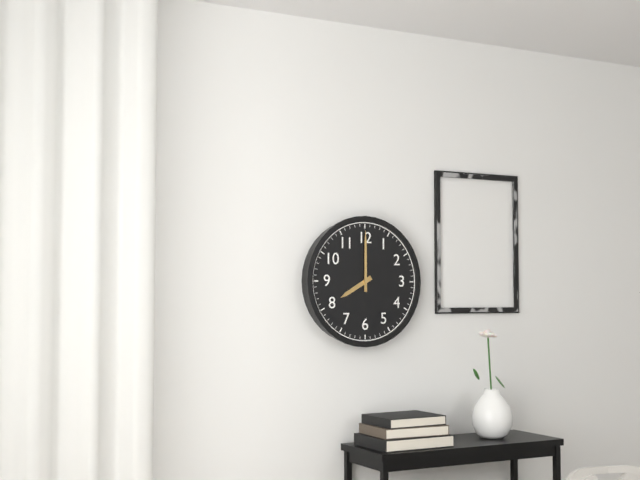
8:00
